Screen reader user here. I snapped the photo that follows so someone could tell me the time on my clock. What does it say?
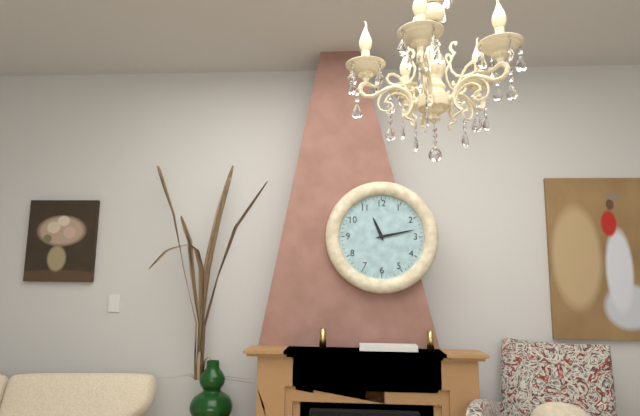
11:13
